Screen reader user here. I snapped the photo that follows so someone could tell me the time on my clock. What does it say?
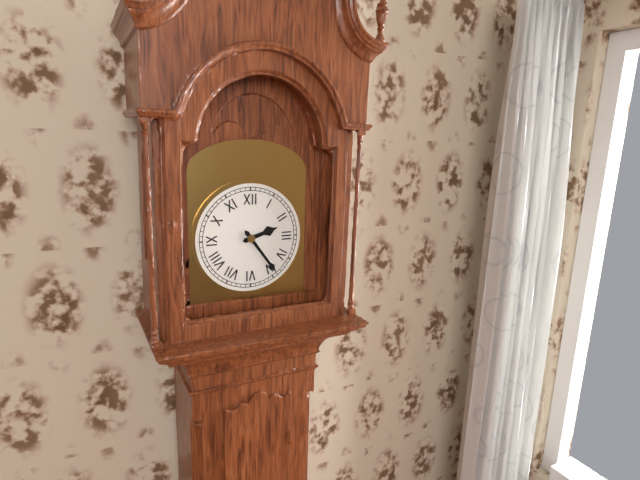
2:24
